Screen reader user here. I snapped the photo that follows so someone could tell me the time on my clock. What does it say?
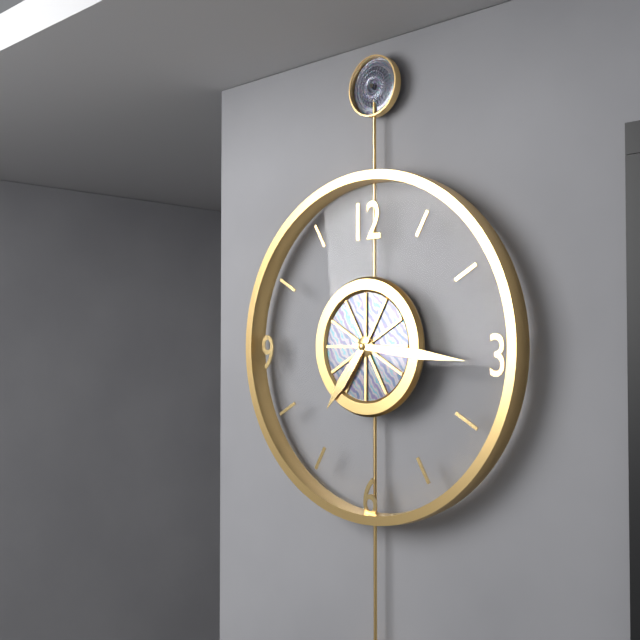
7:16
